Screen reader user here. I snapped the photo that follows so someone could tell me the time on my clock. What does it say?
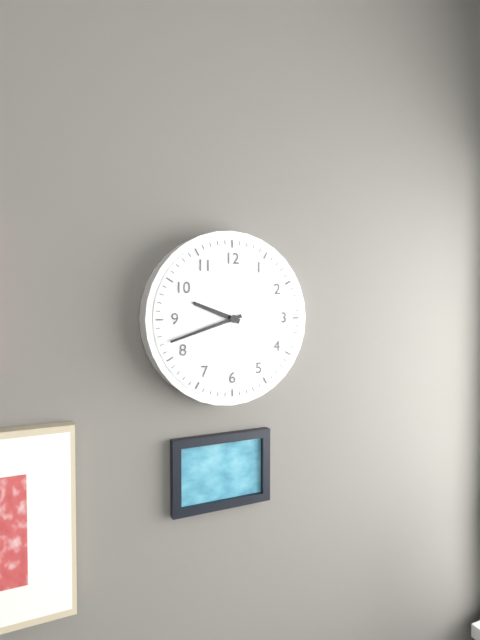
9:42
